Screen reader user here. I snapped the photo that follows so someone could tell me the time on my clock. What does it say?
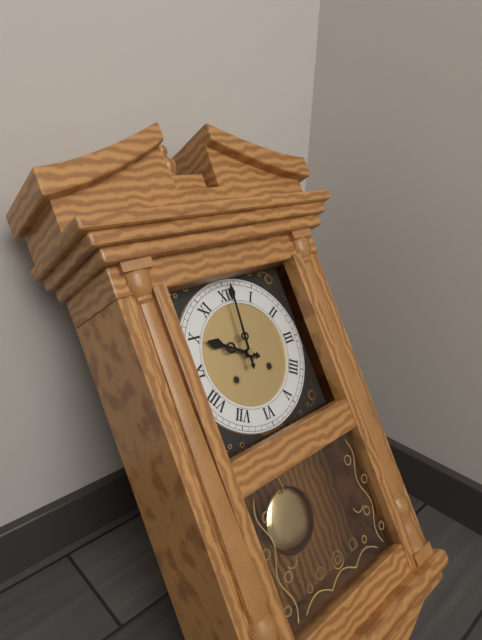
10:01
